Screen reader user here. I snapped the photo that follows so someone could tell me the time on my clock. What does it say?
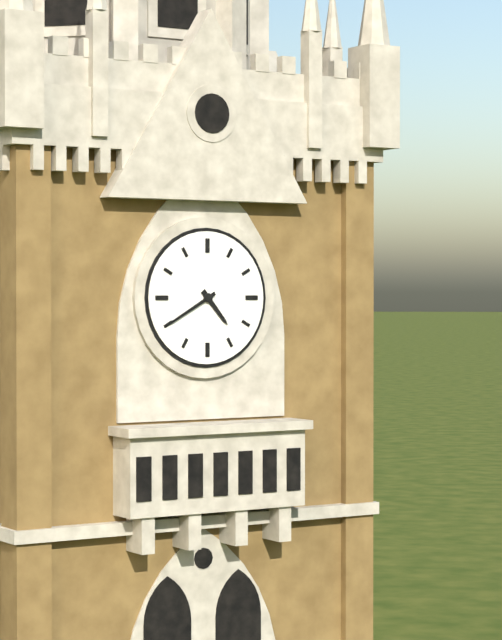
4:40
